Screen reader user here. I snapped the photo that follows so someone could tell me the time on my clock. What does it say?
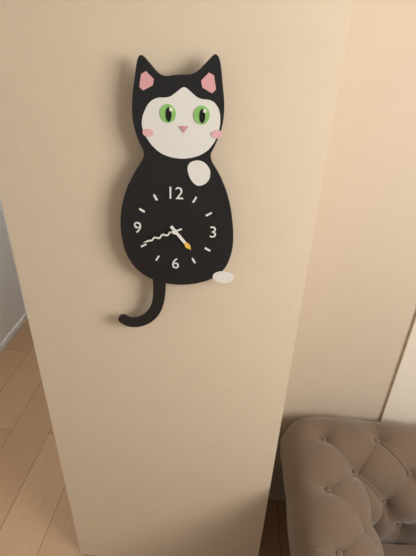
4:41
